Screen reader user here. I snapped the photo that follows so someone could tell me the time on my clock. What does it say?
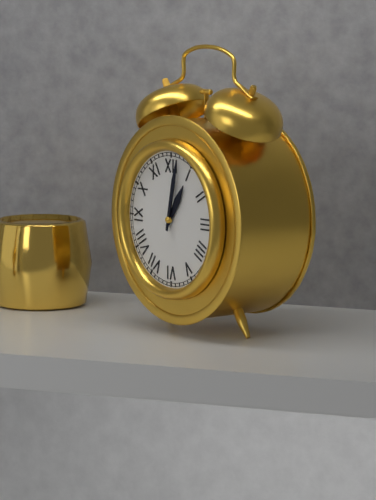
1:02
